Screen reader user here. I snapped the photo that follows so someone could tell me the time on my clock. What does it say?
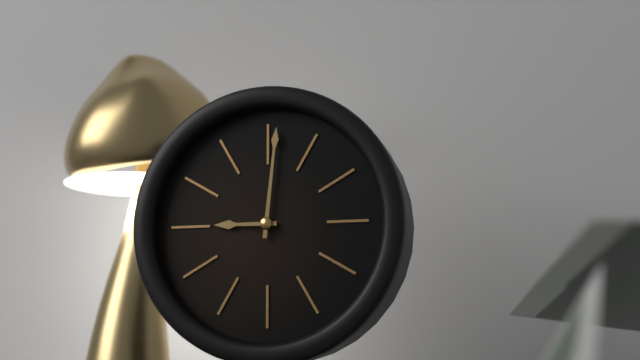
9:01
